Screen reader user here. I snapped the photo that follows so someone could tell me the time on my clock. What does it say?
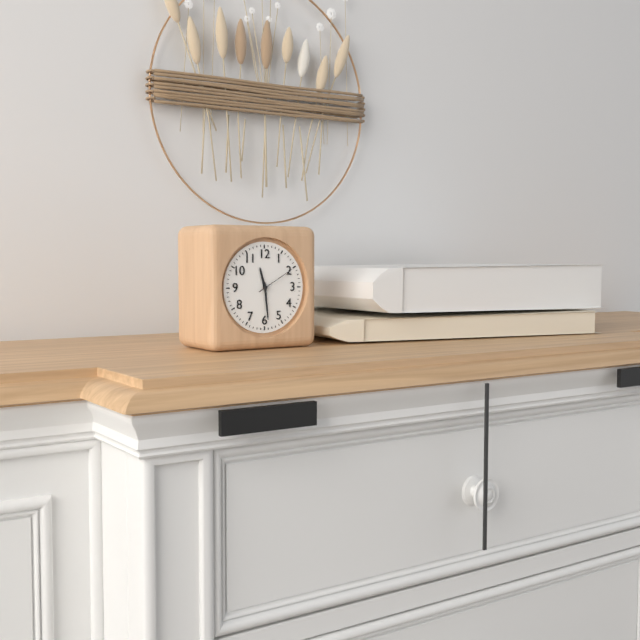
11:29
